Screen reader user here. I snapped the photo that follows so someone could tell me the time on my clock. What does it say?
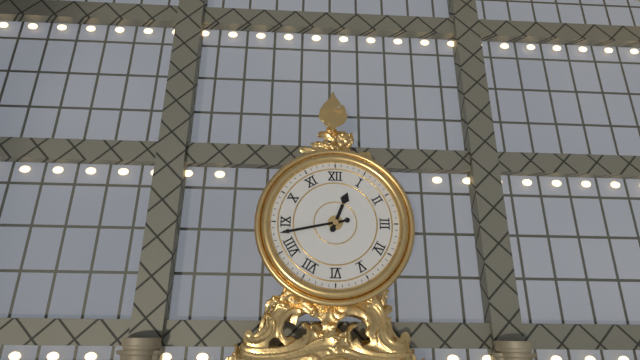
12:43
